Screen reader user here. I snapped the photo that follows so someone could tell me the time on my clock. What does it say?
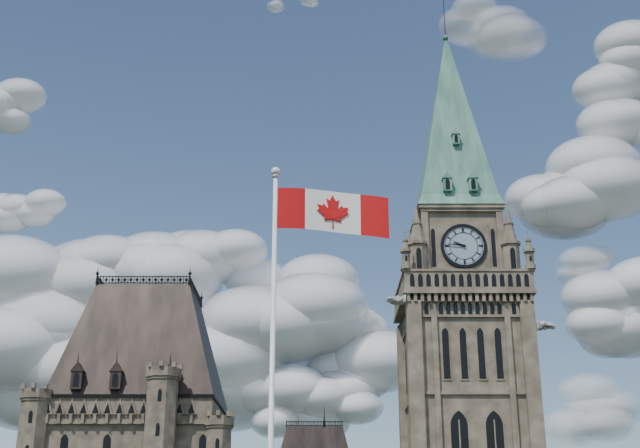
9:46
